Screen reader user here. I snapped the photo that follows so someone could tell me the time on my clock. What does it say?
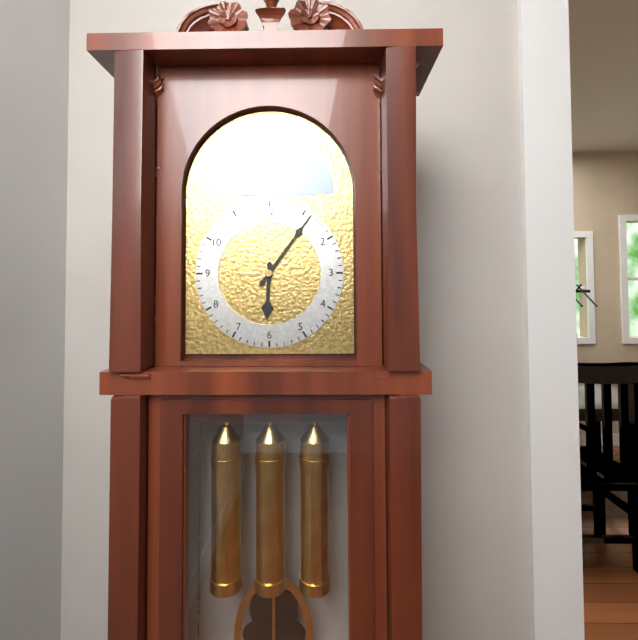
6:06
